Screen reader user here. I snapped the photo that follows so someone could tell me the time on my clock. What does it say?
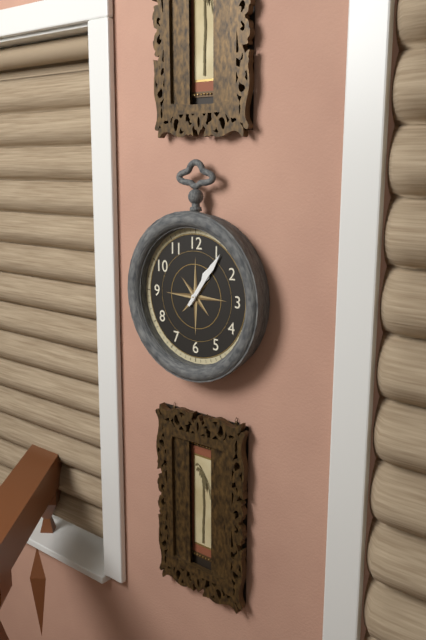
1:06
